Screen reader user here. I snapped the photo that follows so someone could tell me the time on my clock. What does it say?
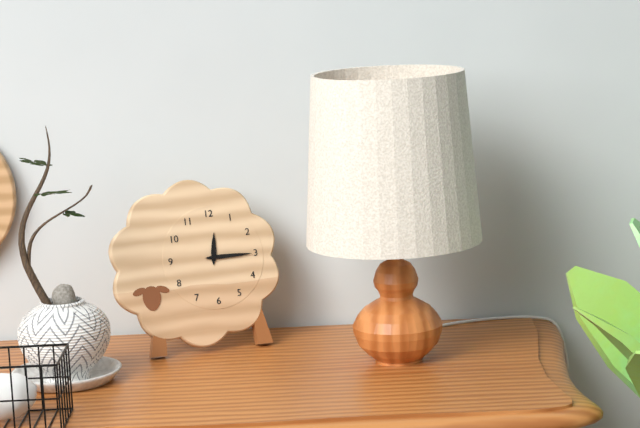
12:15
